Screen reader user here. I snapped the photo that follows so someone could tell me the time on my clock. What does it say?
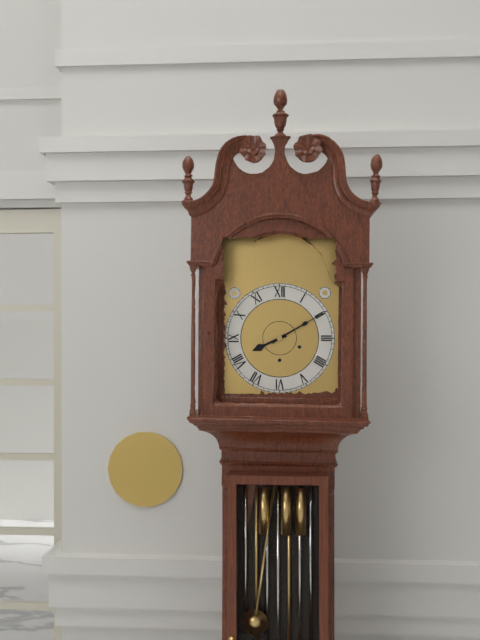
8:10
